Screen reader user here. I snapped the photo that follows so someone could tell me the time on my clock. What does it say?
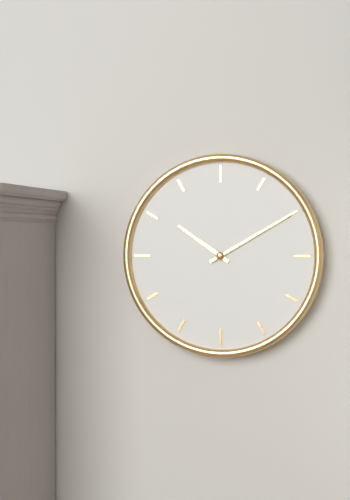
10:10
